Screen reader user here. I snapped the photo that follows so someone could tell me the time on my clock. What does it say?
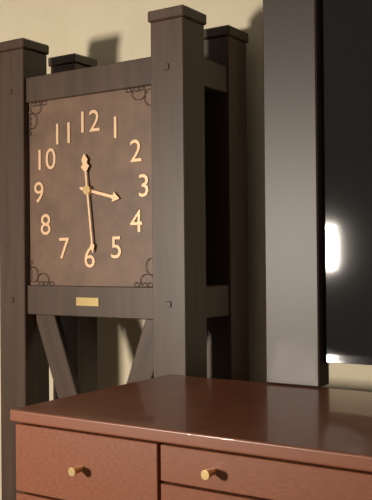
3:29
